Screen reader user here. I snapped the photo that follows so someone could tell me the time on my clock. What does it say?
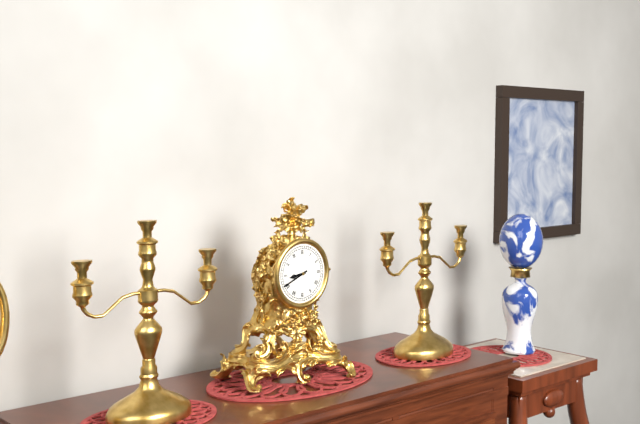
8:41
